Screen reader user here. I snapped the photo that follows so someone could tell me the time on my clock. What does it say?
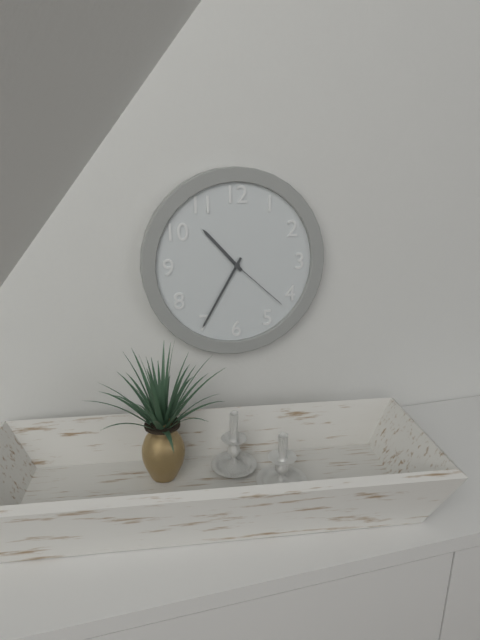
10:35:22
